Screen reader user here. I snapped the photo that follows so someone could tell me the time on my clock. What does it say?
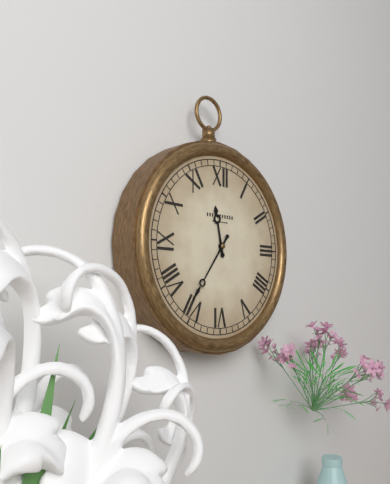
11:36
